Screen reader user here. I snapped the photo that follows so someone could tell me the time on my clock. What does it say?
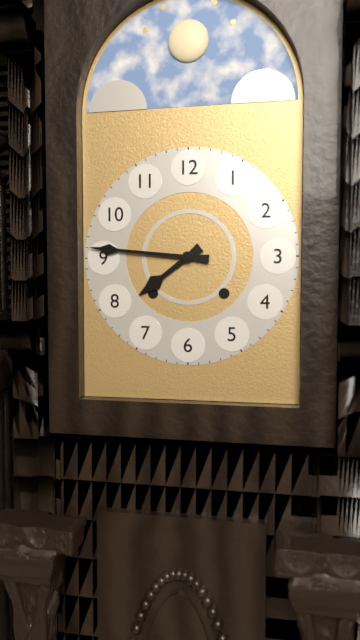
7:46
